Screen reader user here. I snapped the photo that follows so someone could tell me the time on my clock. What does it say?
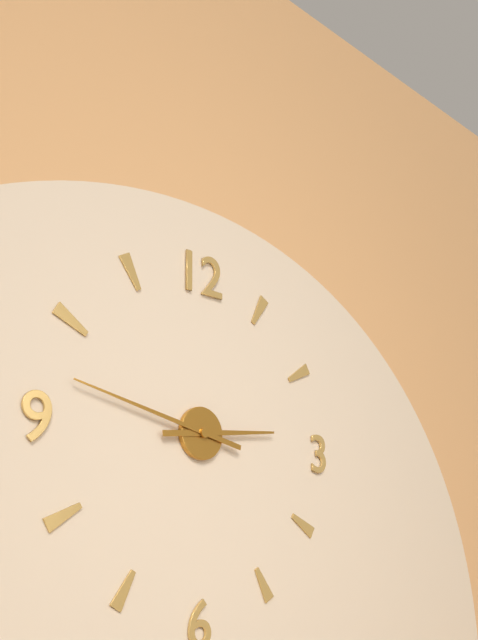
2:47
